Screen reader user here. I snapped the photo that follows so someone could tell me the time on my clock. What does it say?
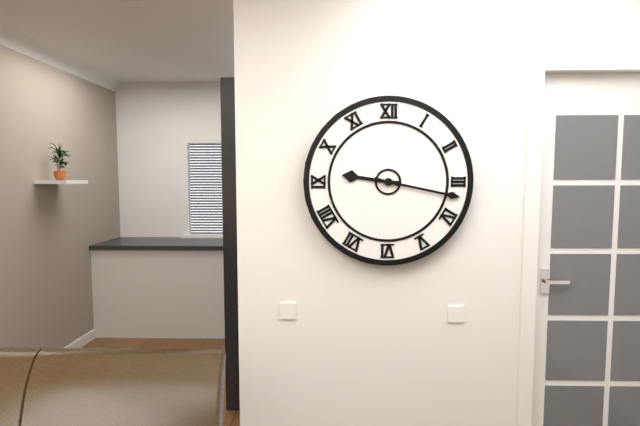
9:17
